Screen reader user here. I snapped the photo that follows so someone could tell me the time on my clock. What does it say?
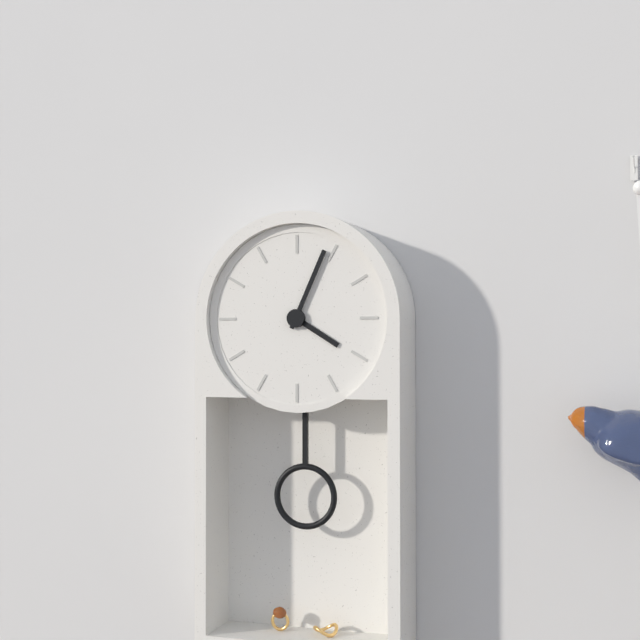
4:04
